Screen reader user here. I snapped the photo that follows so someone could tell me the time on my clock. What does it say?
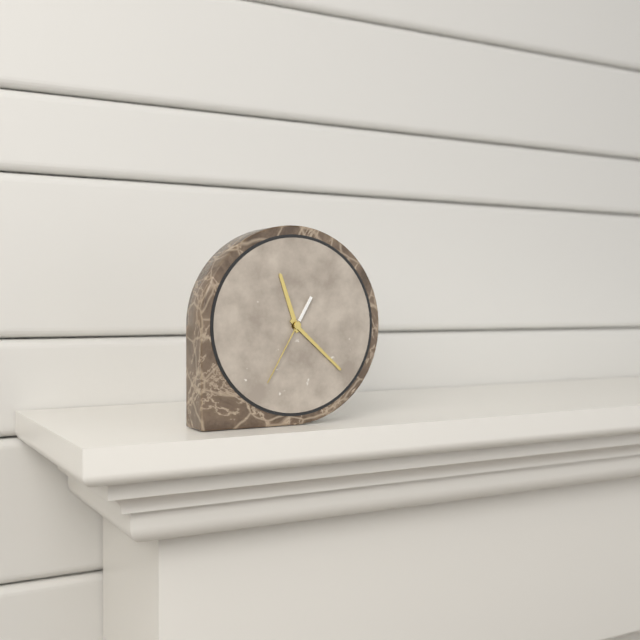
11:22:35
